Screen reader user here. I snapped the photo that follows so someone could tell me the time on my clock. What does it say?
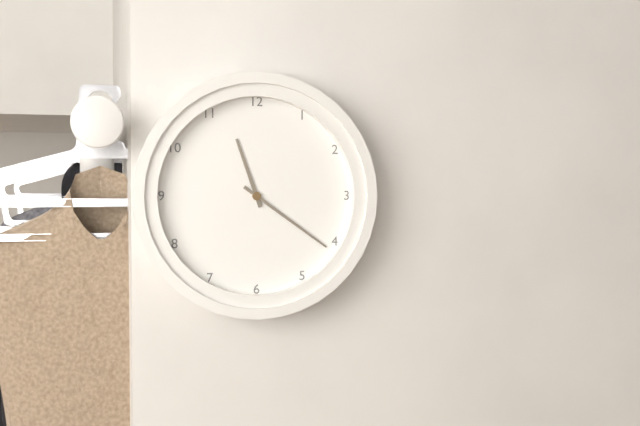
11:21
